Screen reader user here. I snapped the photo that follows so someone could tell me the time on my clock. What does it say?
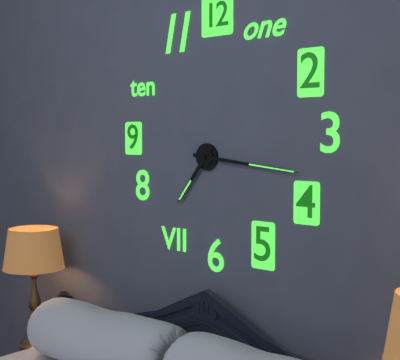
7:16
